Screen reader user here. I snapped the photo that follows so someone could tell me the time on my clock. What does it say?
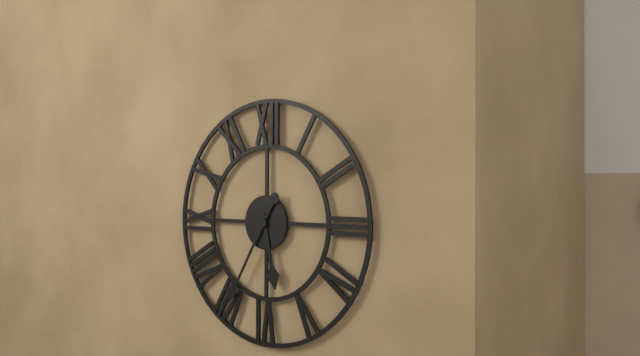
5:35
